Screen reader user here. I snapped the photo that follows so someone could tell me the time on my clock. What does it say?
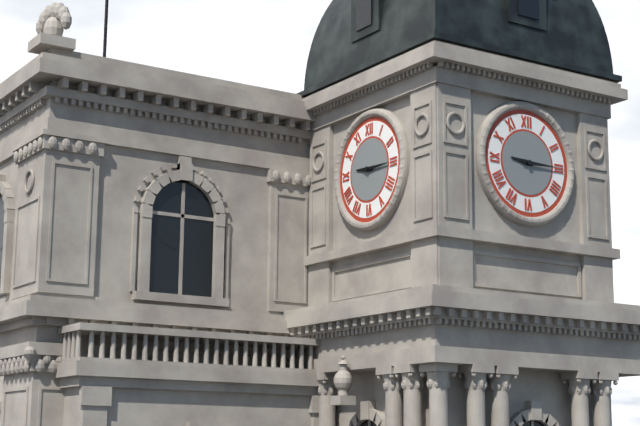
9:15
